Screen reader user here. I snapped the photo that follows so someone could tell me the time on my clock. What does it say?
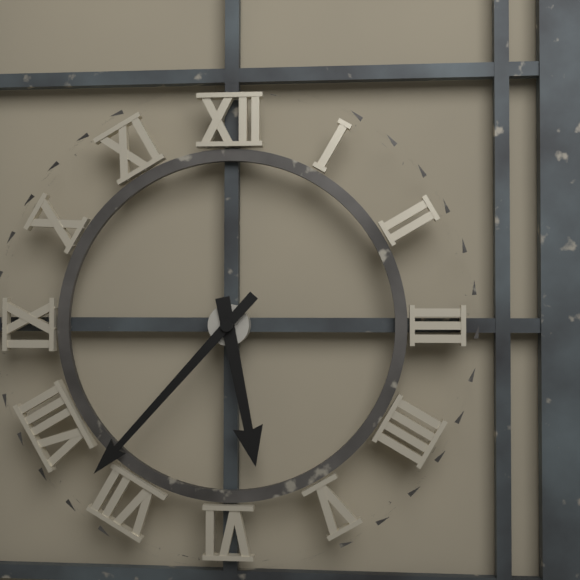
5:37
